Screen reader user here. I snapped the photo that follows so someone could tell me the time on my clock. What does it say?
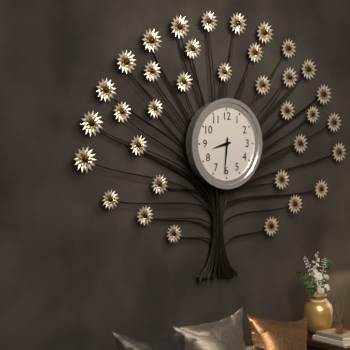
8:31
